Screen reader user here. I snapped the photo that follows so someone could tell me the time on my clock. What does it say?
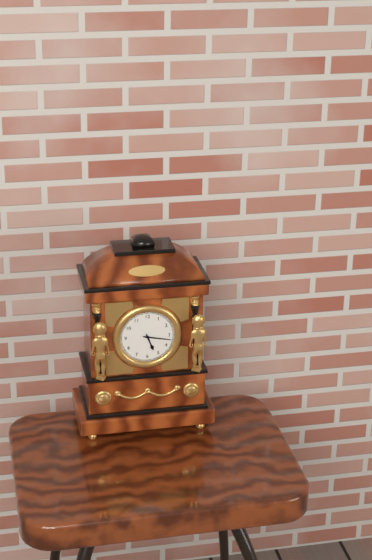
5:17
